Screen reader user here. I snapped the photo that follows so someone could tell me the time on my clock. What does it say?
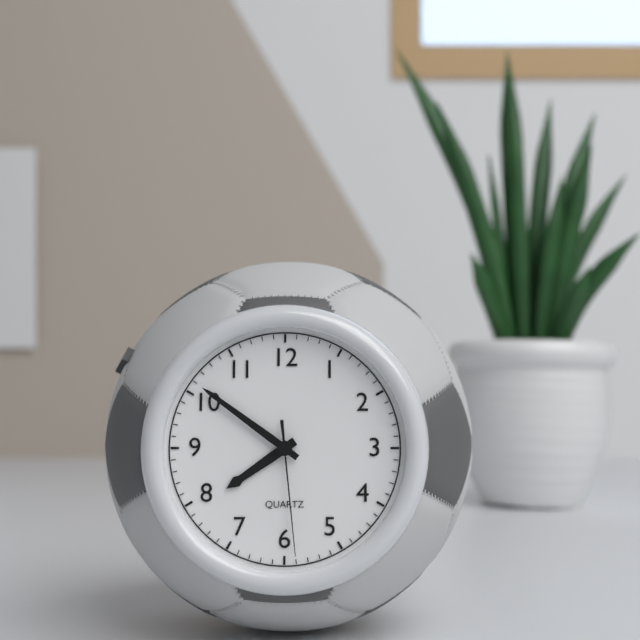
7:51:29
